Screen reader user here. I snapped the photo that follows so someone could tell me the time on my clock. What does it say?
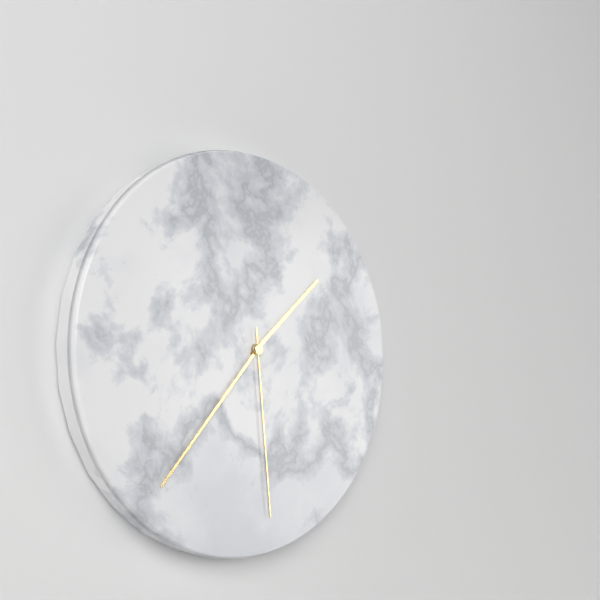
1:37:29
